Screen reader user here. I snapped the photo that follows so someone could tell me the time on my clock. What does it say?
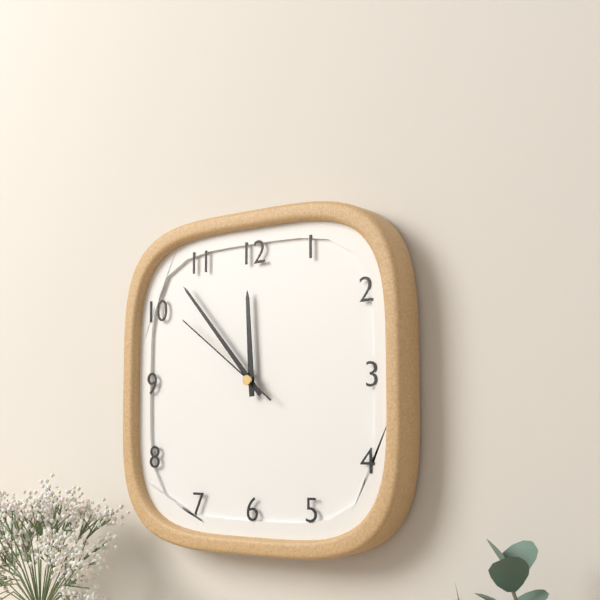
11:53:51
